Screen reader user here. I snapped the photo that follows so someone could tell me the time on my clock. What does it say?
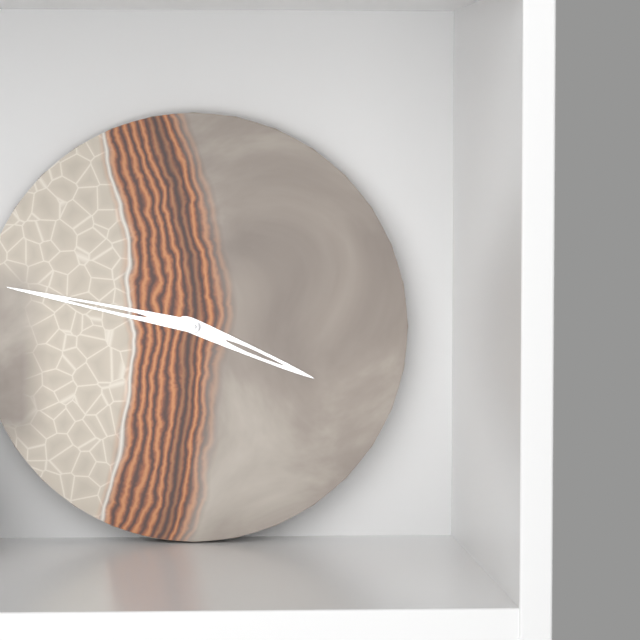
3:47
